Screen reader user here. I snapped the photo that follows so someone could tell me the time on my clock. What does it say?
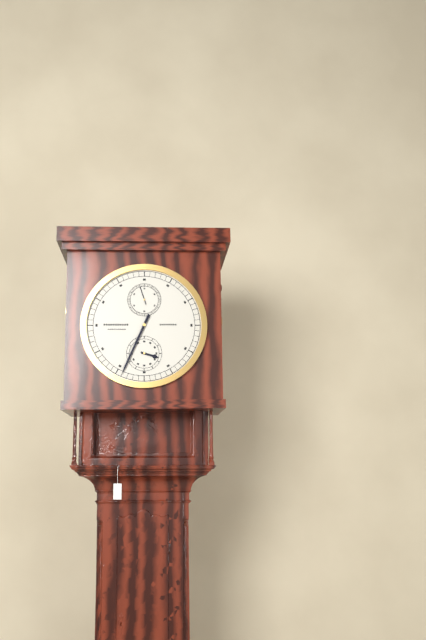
3:34
